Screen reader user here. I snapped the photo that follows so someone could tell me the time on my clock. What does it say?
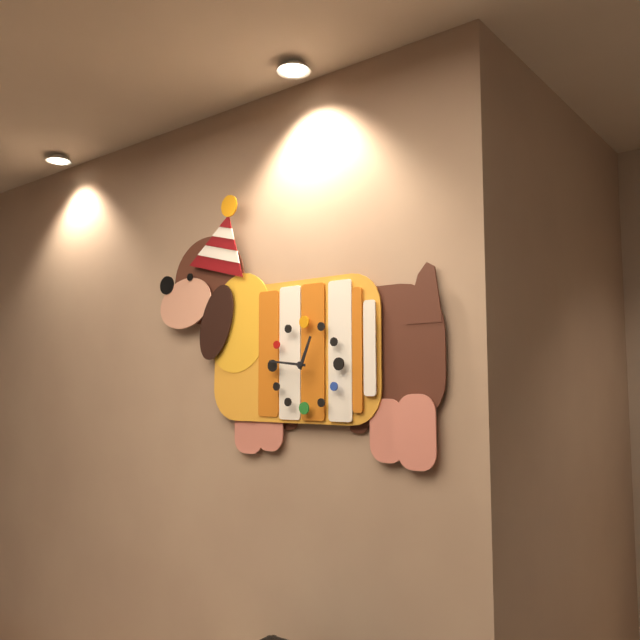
12:46
